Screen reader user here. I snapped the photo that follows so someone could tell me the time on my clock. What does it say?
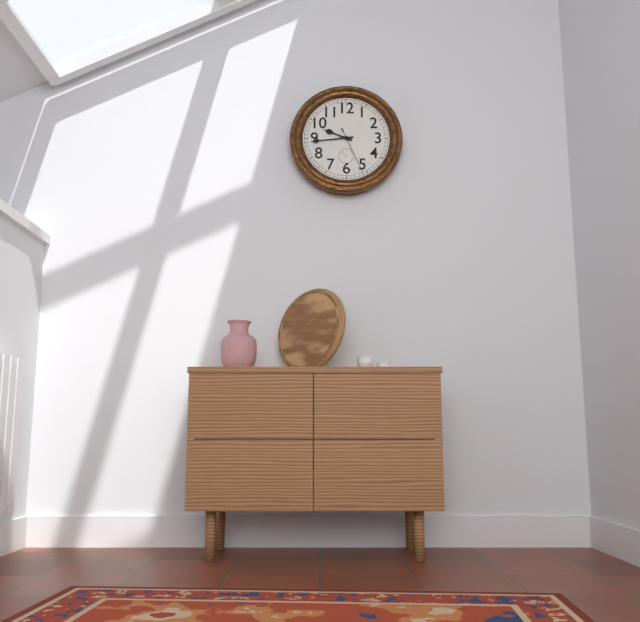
9:44
